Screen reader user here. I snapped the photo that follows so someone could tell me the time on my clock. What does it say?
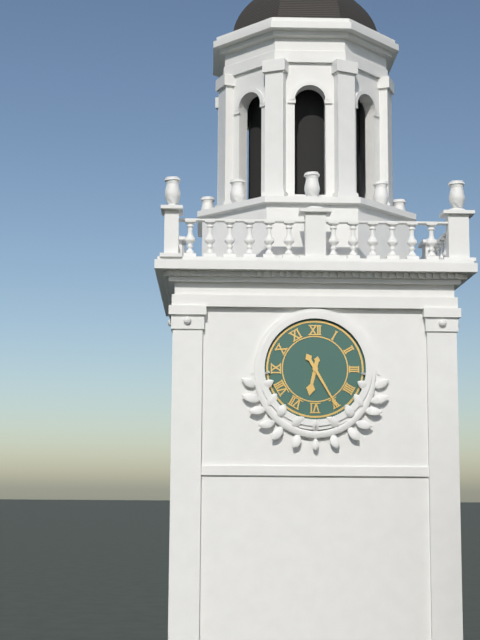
6:25
